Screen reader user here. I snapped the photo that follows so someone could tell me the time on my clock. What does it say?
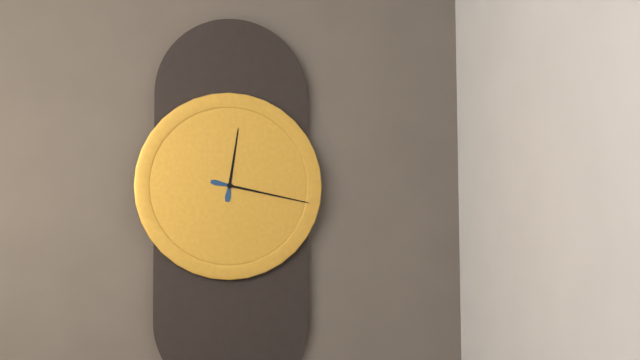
12:17
